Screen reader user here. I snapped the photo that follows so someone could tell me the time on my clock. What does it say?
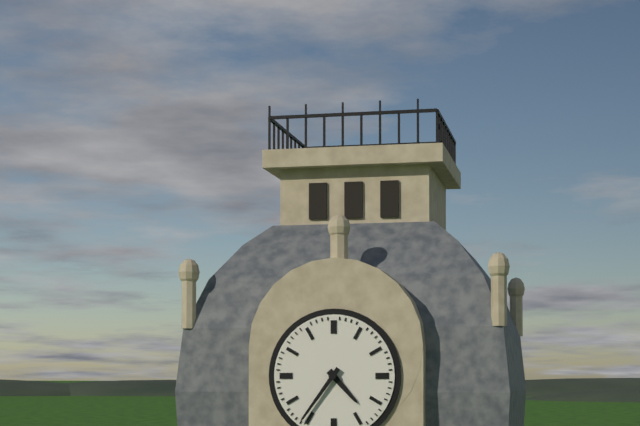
4:36
